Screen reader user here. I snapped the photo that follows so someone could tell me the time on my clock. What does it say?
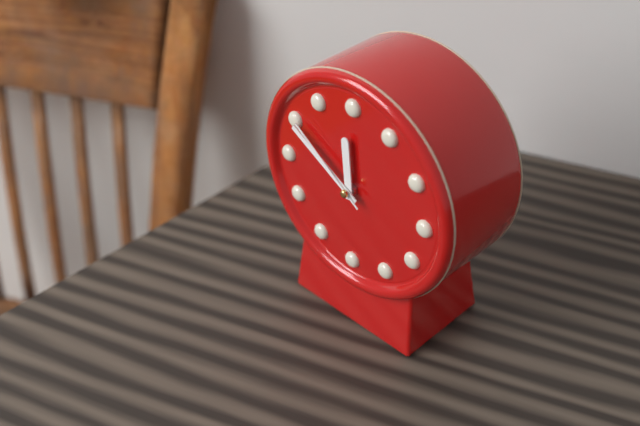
11:50:51
